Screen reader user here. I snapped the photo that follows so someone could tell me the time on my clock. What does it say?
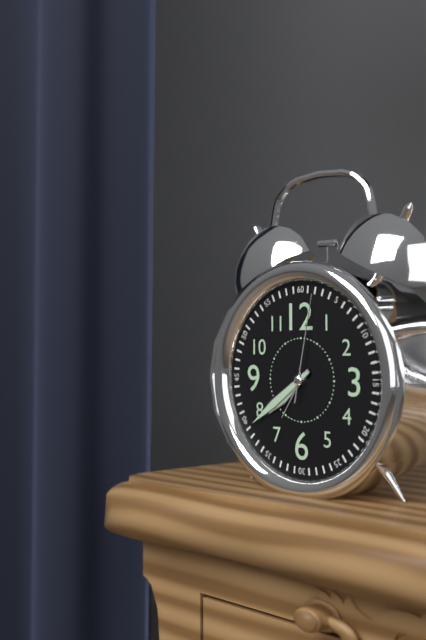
7:39:02
